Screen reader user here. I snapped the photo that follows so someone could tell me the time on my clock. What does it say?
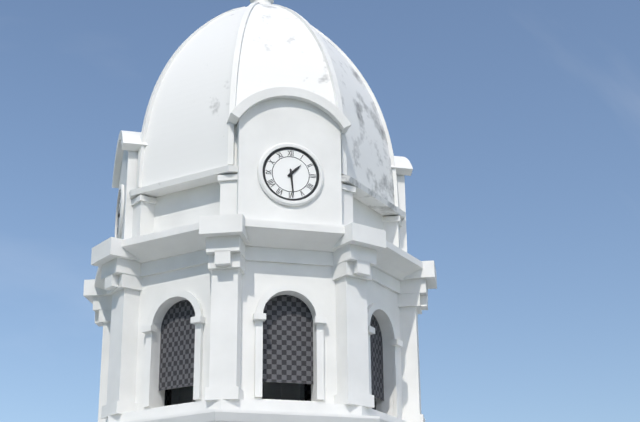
1:29
